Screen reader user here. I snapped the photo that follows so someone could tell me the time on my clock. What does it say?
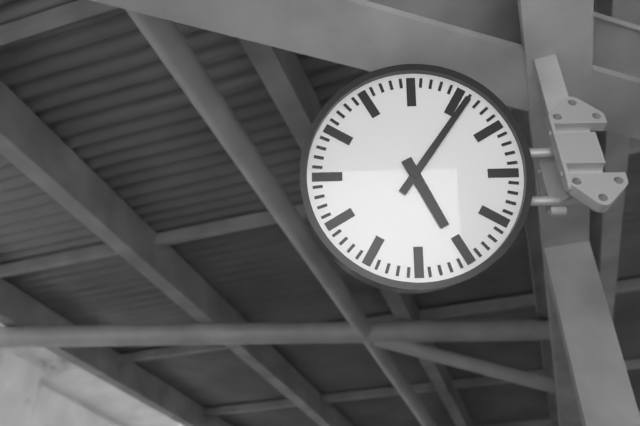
5:06
